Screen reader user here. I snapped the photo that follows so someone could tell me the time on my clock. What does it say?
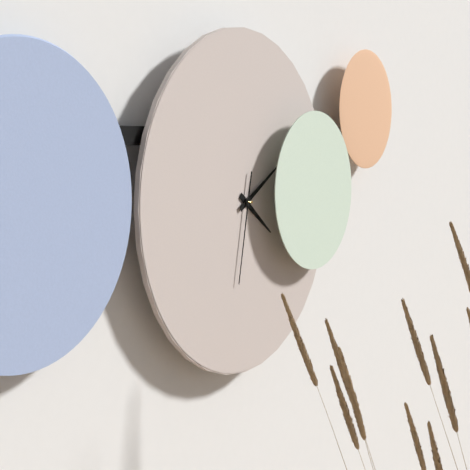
4:10:32
